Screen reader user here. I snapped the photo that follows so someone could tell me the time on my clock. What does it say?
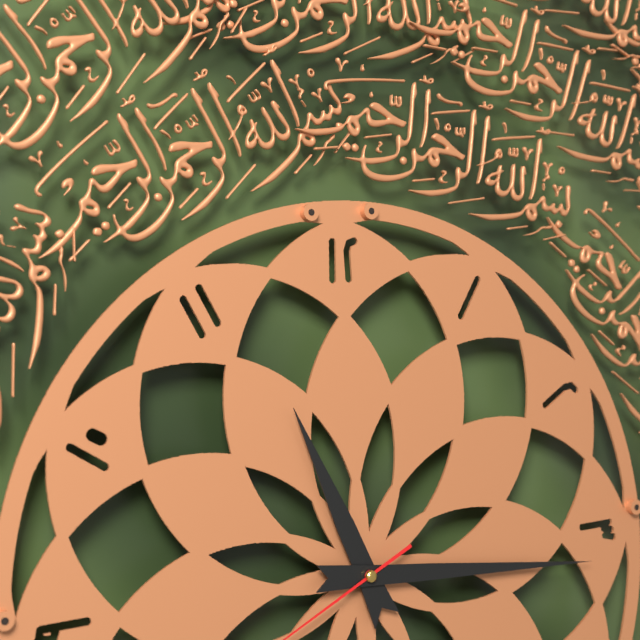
11:16
